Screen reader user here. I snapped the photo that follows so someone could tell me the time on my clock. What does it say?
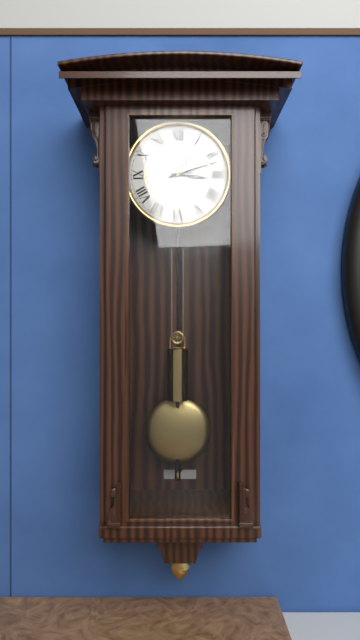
3:12
